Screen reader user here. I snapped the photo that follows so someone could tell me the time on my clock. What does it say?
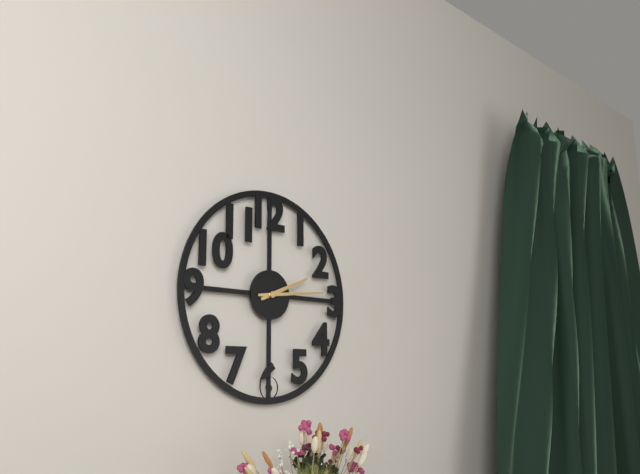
2:14
